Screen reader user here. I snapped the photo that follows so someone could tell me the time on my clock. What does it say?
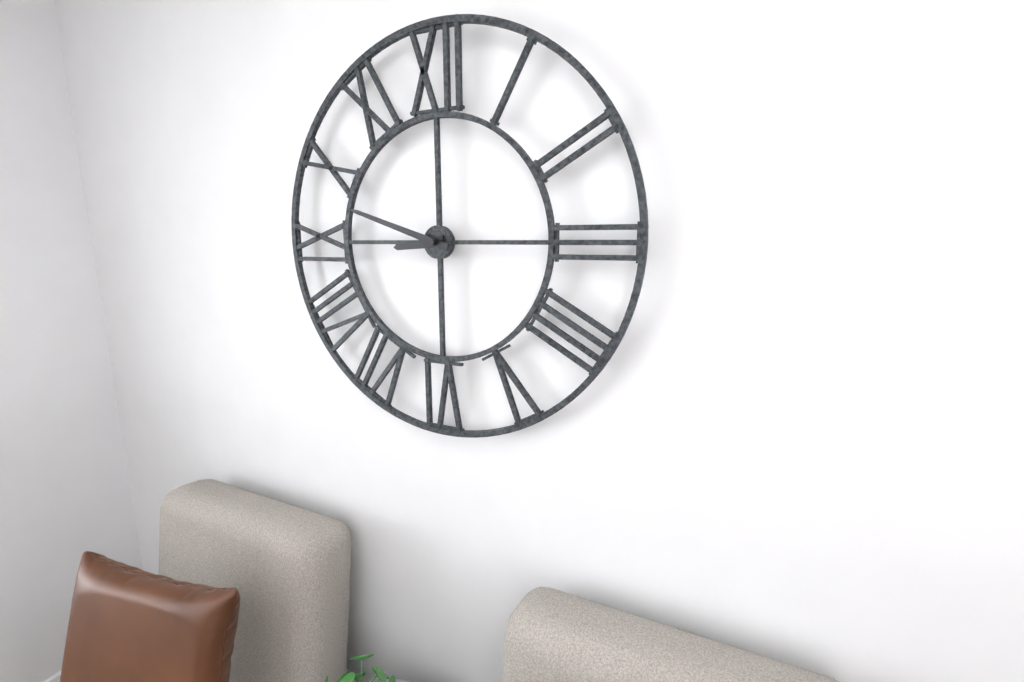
8:48
